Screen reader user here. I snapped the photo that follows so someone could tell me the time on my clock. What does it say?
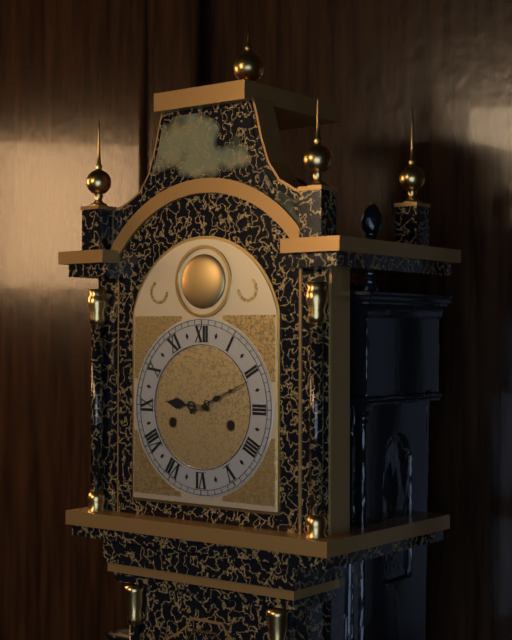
9:11
